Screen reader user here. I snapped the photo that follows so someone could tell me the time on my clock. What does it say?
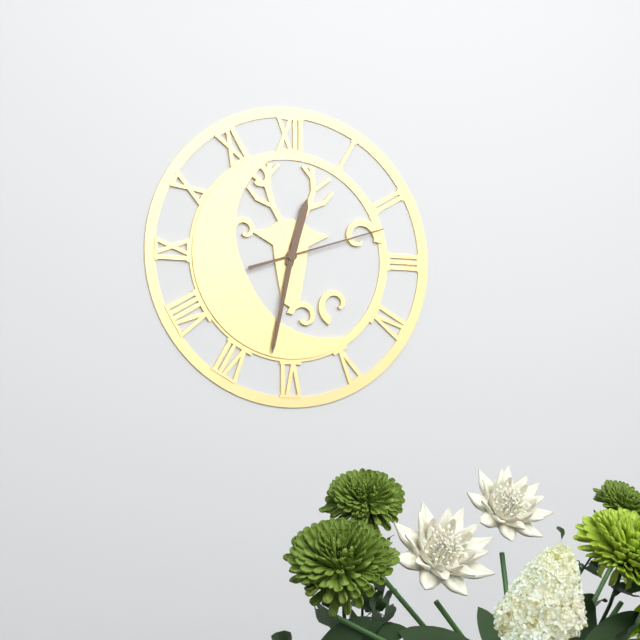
12:32:12
